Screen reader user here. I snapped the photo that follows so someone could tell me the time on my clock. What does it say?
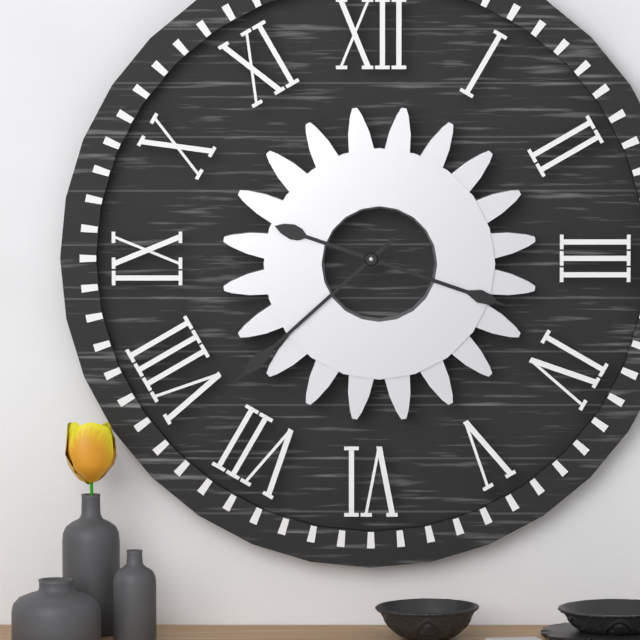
3:38
